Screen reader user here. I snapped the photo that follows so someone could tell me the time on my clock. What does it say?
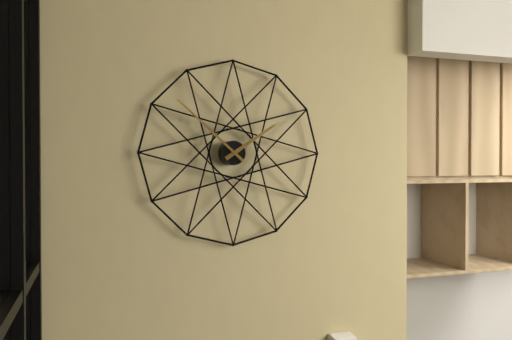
1:52
